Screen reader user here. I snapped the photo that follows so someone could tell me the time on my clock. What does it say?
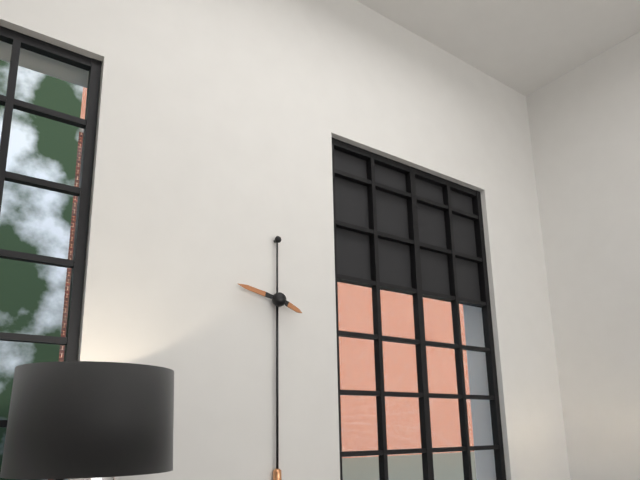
3:47
